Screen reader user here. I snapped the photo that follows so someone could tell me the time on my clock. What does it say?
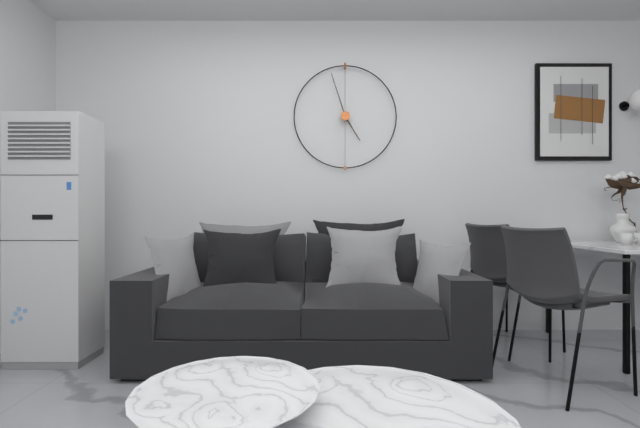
4:57
